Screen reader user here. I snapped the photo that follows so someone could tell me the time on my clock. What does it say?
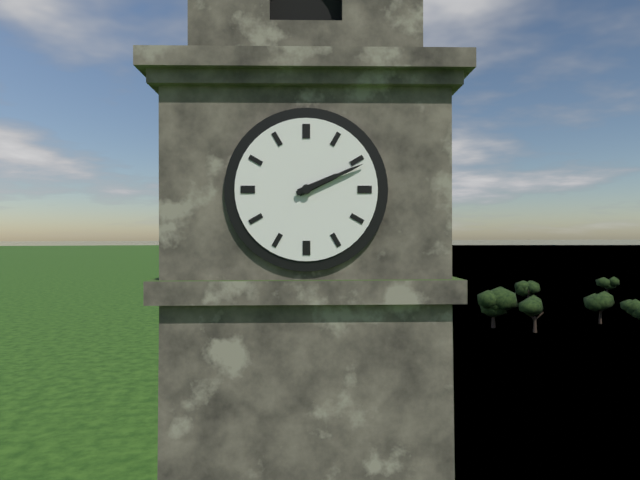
2:11
